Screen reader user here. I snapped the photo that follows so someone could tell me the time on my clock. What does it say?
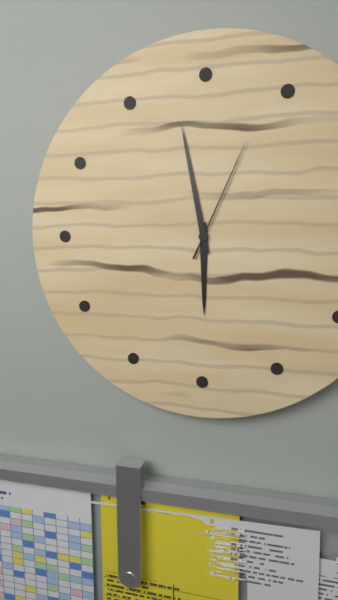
5:58:04
